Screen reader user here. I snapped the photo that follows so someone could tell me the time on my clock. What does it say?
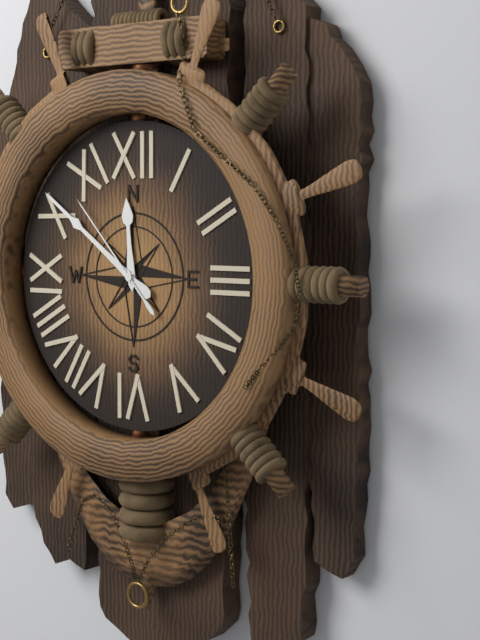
11:51:53
